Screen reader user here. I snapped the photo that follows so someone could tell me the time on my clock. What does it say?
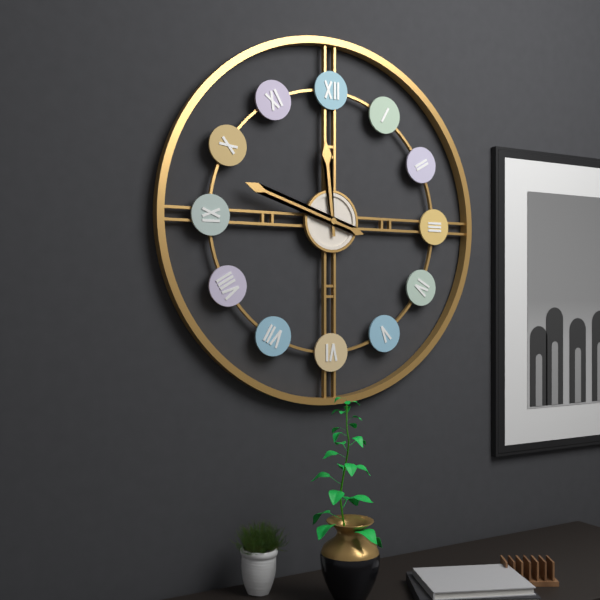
11:48
